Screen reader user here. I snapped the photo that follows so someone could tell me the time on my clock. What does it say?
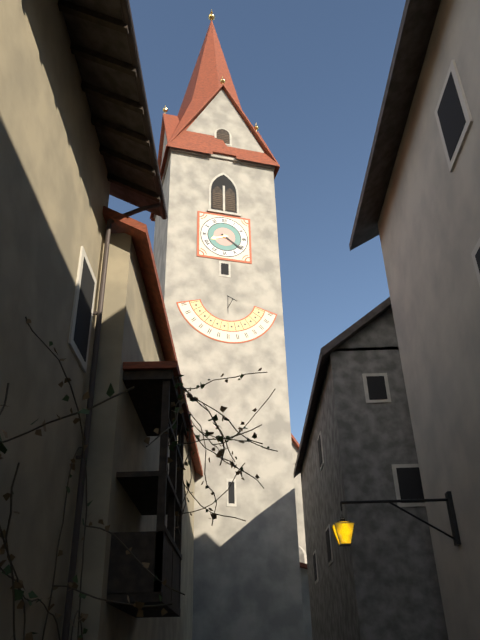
8:21
